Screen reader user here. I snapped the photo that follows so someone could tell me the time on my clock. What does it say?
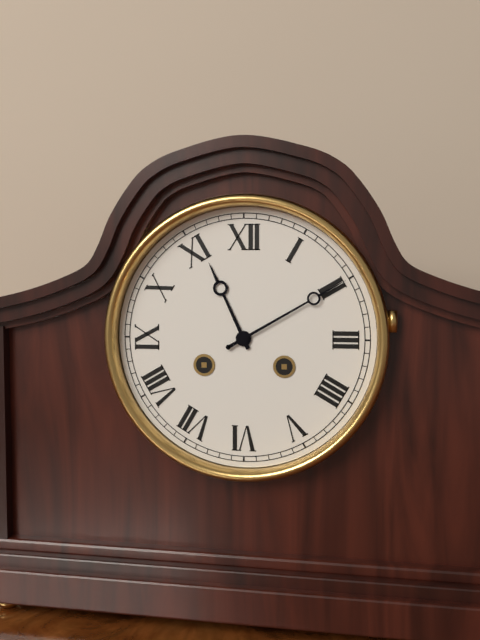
11:10
